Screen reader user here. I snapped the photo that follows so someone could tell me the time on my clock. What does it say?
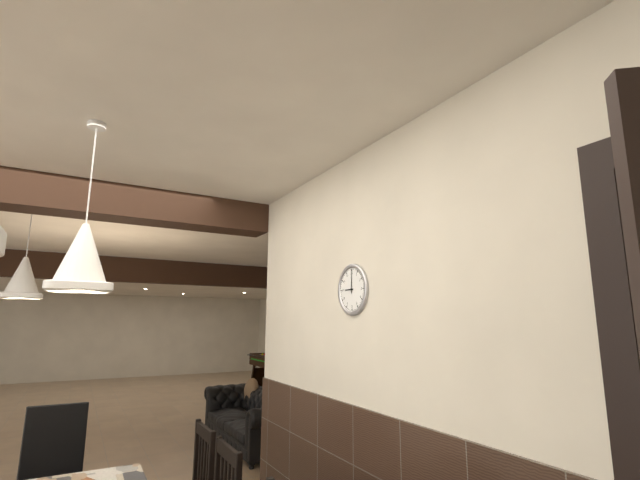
9:00
